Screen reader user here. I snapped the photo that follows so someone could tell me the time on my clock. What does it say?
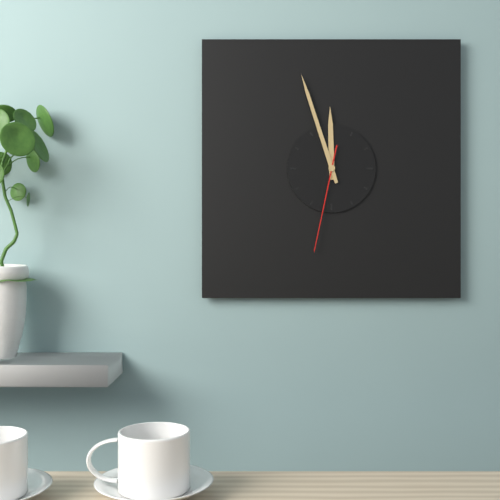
11:57:32
